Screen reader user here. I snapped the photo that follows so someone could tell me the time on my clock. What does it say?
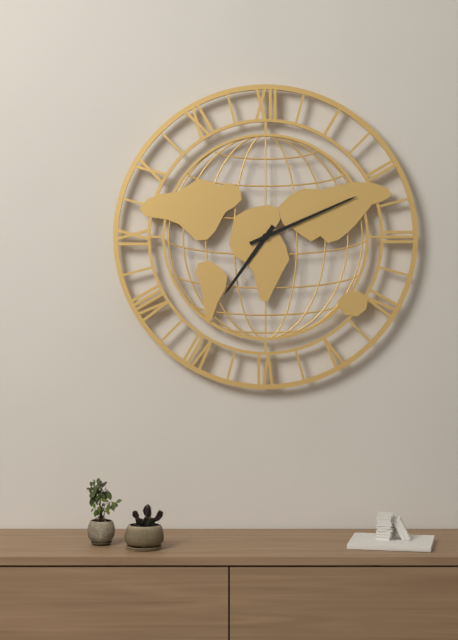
7:11
